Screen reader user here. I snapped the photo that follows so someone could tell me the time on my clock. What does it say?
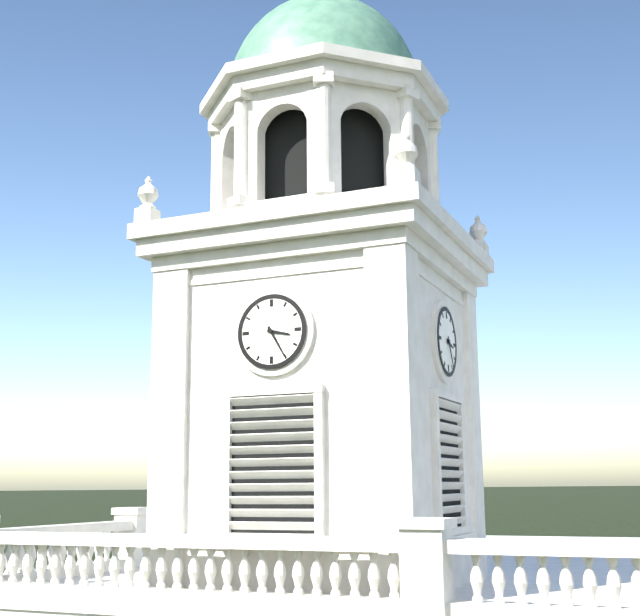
3:25
